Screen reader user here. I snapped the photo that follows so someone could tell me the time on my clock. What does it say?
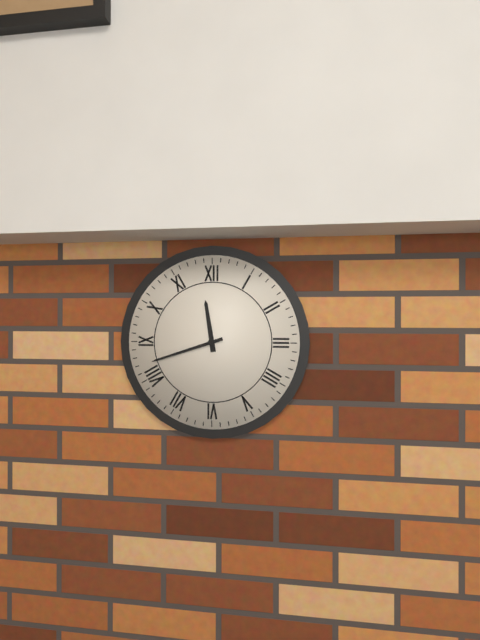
11:42
